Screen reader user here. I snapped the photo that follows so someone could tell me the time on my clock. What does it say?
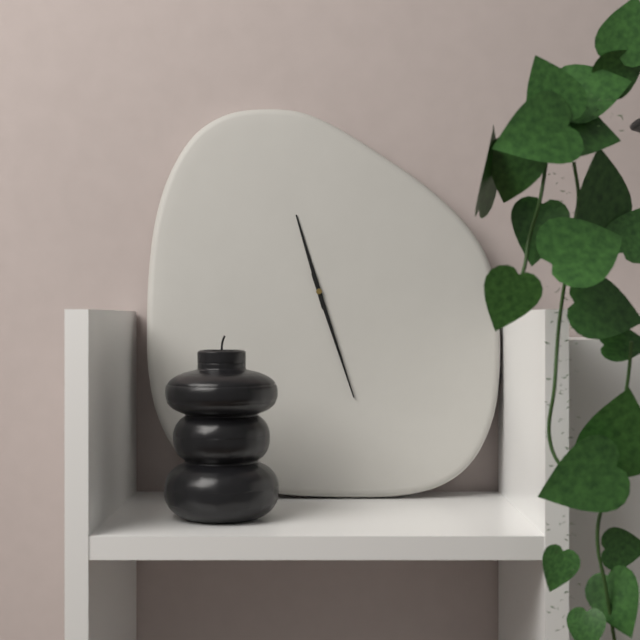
11:27
